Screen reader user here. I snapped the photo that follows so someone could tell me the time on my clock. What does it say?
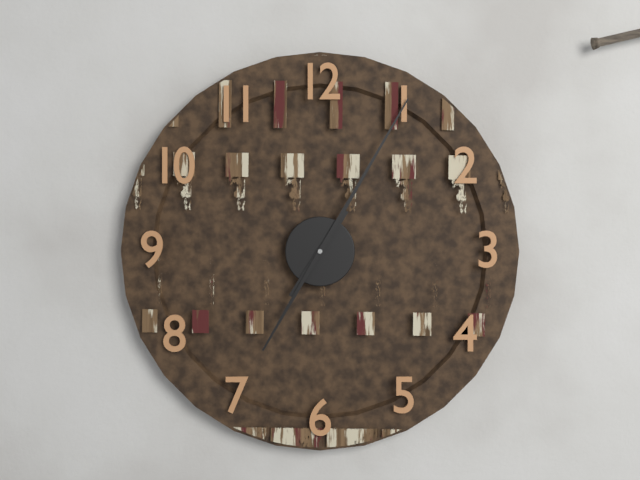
7:05
